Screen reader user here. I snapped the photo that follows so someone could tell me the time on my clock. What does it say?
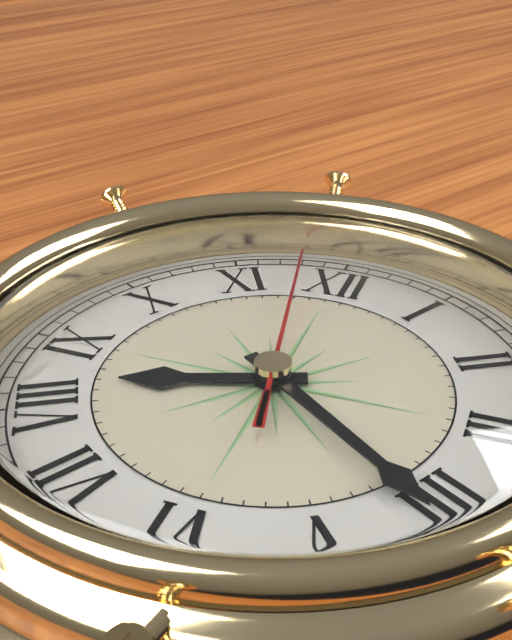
8:21:58
